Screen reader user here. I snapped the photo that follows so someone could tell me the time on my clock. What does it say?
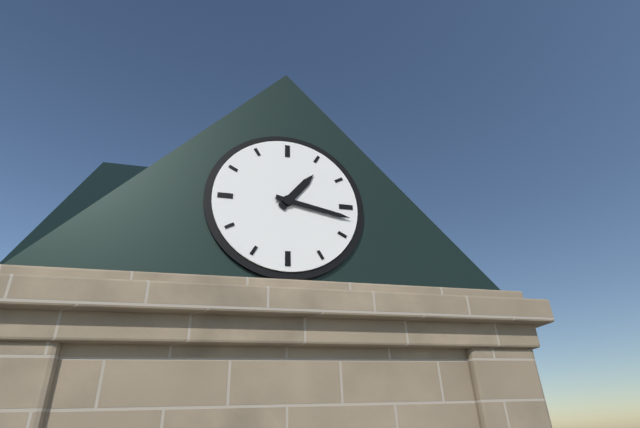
1:17
